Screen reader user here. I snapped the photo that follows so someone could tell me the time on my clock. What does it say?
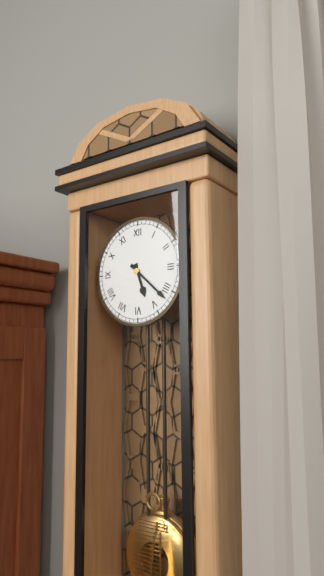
5:22
